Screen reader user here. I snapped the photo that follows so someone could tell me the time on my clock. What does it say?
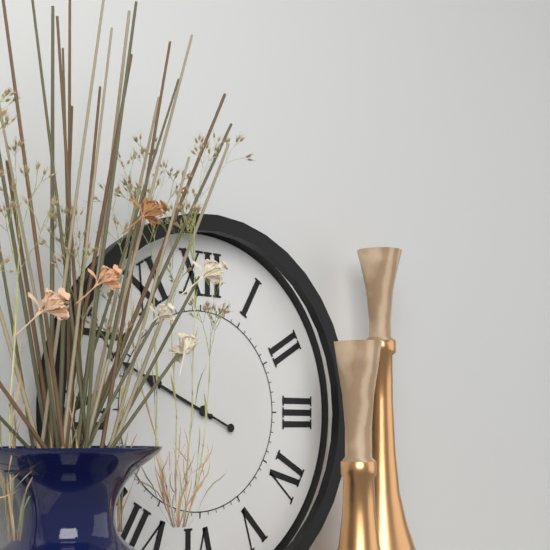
9:49
